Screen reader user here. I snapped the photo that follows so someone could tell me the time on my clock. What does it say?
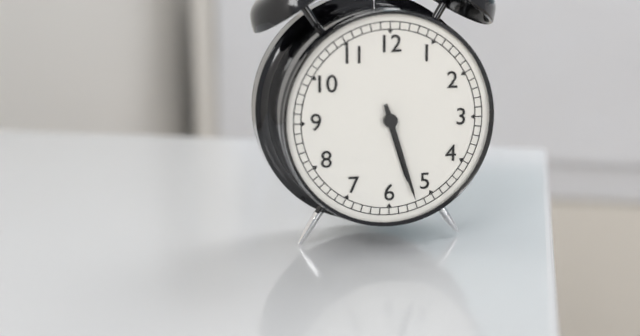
5:27
